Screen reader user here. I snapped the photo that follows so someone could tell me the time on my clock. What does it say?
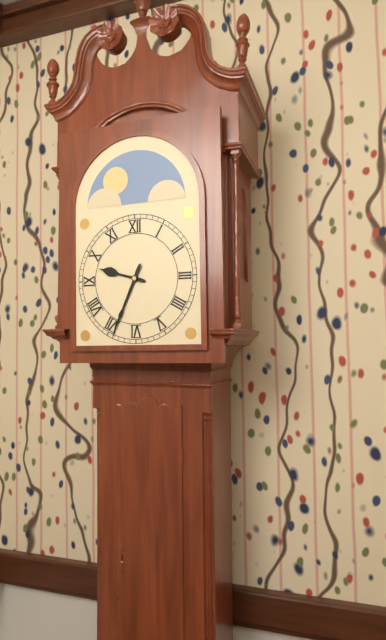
9:34
